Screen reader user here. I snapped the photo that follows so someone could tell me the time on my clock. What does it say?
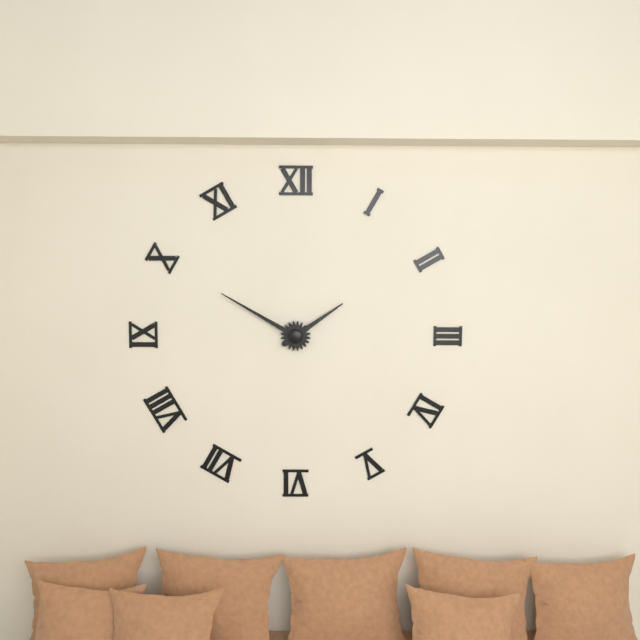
1:50
